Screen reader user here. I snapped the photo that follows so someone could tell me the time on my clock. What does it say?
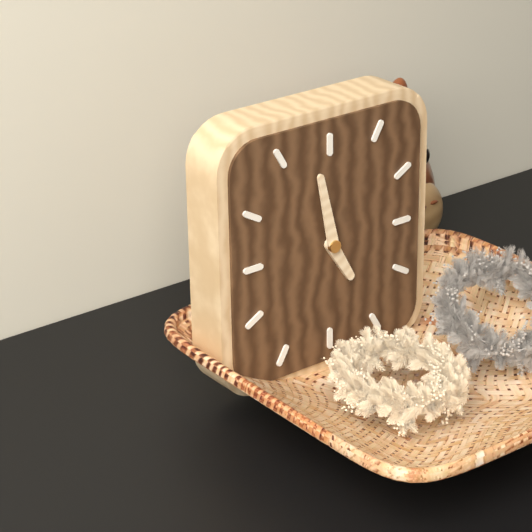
4:58
